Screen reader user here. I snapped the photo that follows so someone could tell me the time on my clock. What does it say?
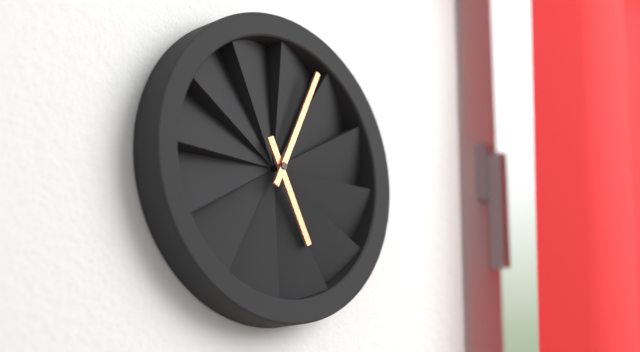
5:04
